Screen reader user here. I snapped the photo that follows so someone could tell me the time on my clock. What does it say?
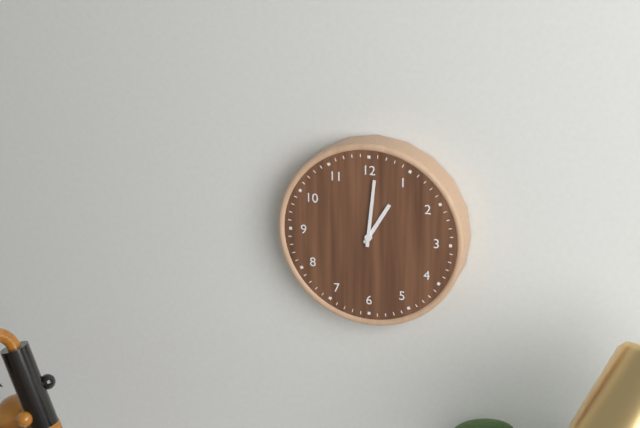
1:01
